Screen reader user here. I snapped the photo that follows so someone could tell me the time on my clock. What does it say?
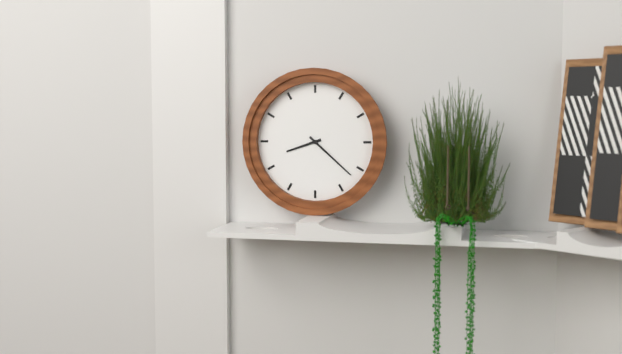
8:22
